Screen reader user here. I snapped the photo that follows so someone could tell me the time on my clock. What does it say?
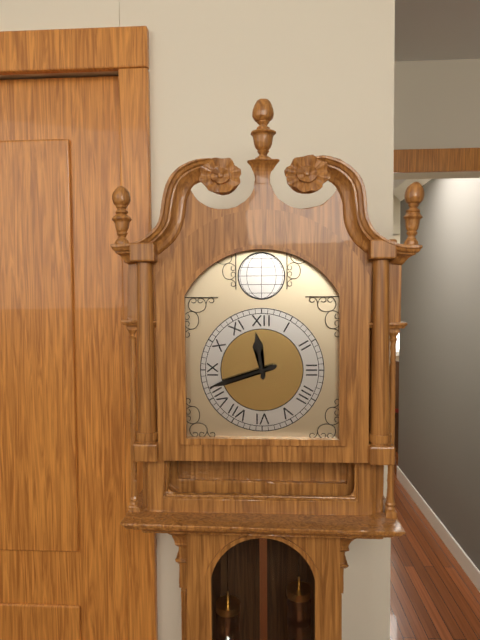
11:42
